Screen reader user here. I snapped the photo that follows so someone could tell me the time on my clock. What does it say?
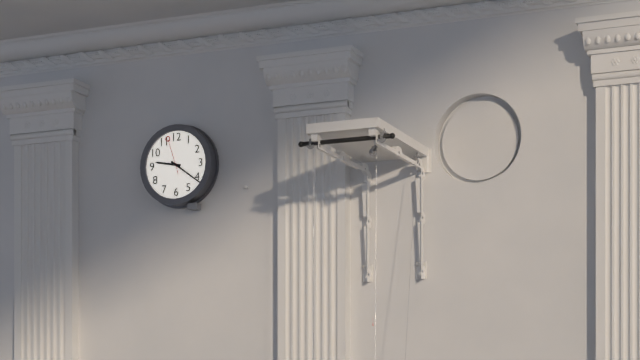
9:21
